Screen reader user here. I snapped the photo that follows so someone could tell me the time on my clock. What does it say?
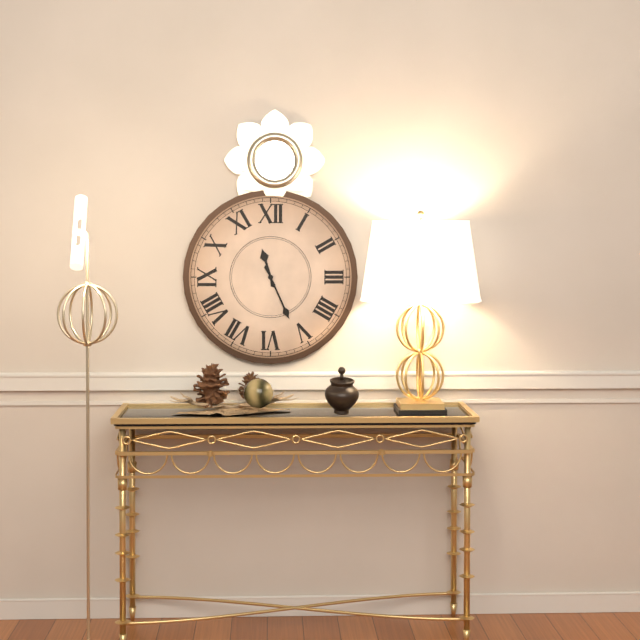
11:26
